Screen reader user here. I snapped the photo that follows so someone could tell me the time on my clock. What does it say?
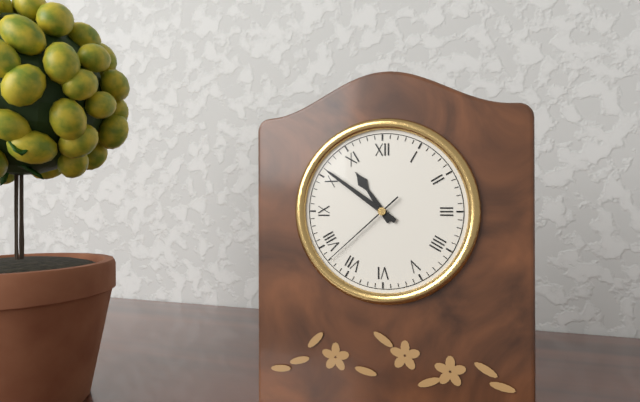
10:51:38
